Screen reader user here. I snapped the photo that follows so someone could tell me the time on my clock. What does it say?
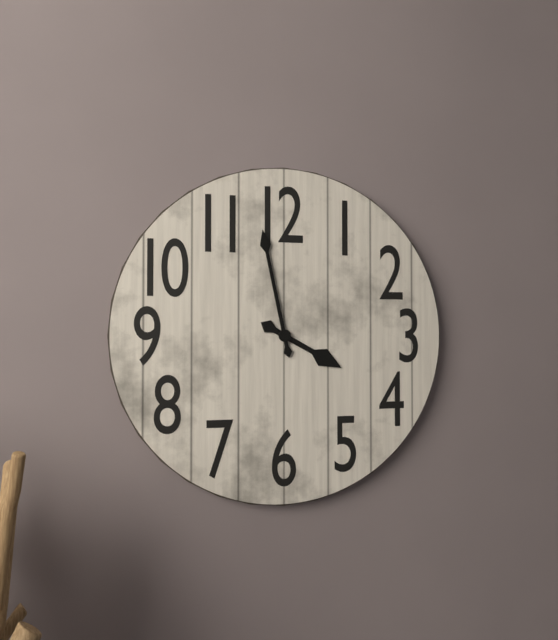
3:58
